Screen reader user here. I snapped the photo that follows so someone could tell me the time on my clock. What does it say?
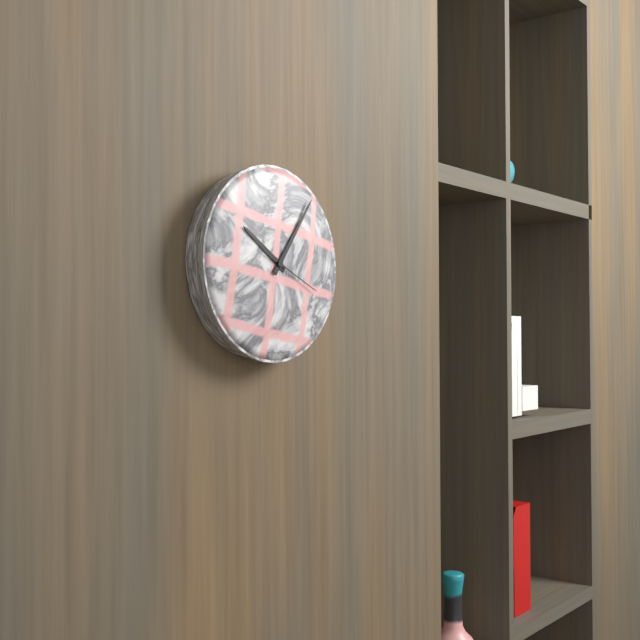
10:06:19
